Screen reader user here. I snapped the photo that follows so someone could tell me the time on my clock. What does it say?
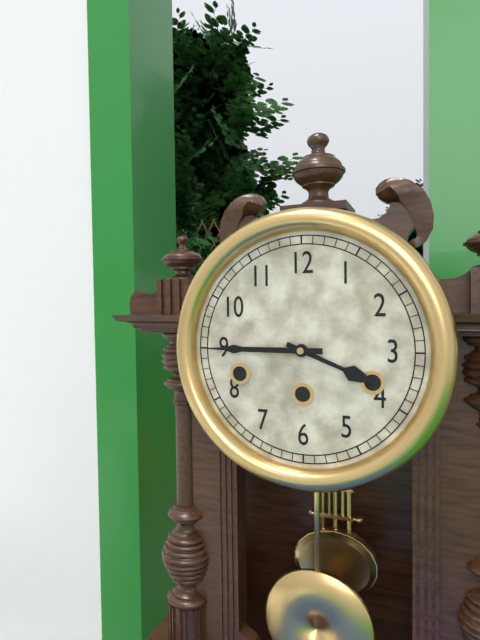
3:45
